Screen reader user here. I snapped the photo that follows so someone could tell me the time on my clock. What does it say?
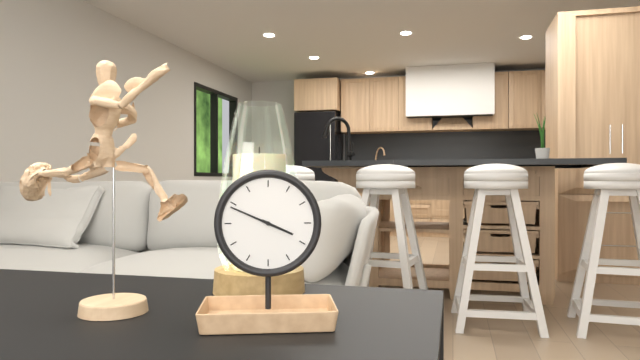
3:49
